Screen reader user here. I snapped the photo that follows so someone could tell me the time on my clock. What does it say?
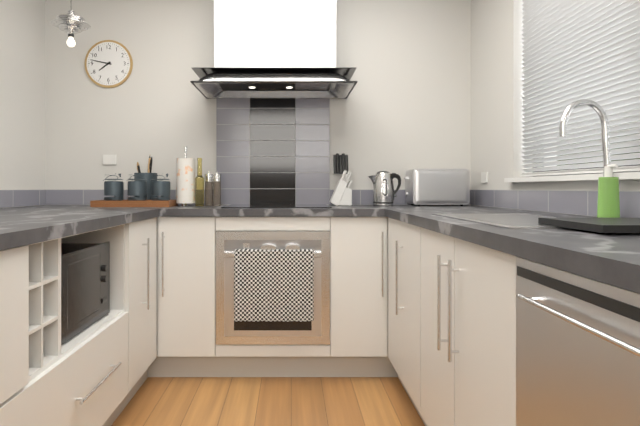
7:47
